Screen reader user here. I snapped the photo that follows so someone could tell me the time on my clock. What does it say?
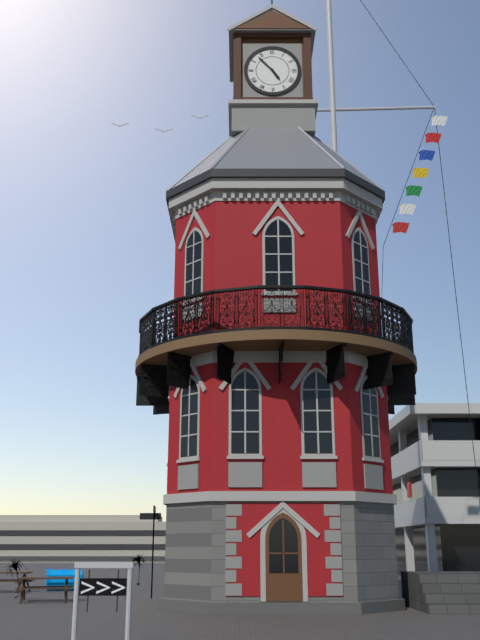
4:53
